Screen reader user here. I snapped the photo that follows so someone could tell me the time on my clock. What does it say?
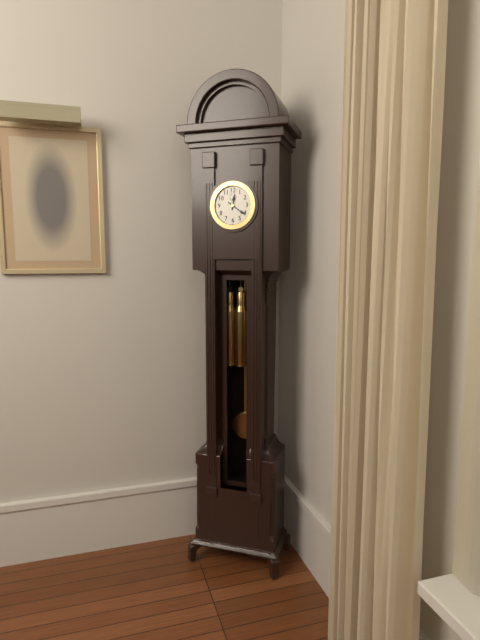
12:21
